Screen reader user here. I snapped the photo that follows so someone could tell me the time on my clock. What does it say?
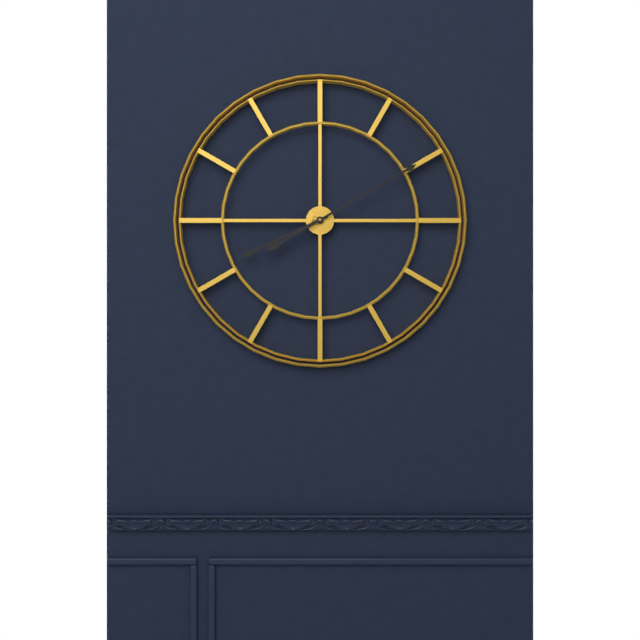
8:10
